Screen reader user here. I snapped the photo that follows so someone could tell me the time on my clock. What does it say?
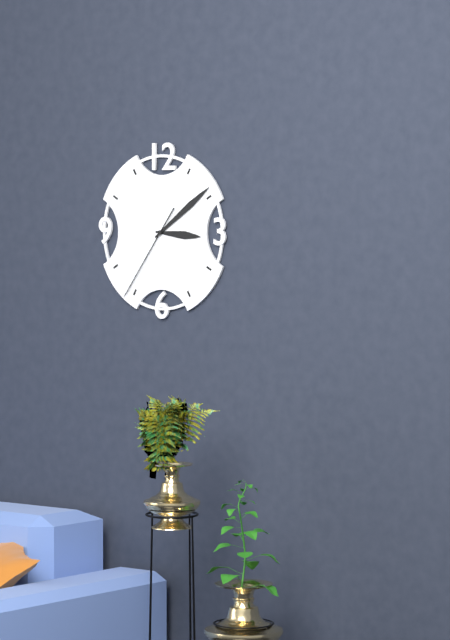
3:09:36
